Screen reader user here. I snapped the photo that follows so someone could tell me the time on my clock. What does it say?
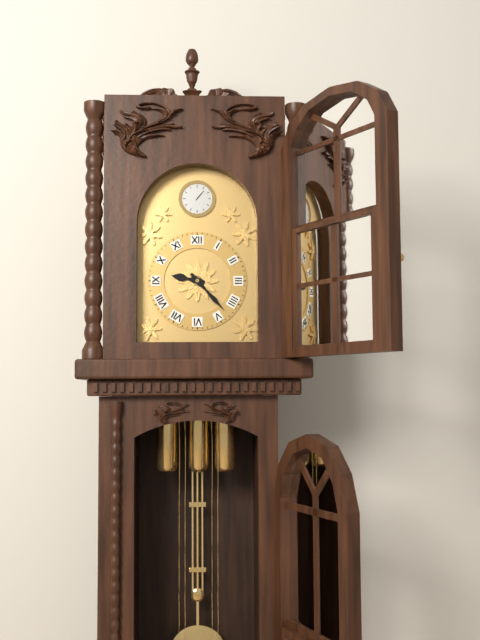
9:23
